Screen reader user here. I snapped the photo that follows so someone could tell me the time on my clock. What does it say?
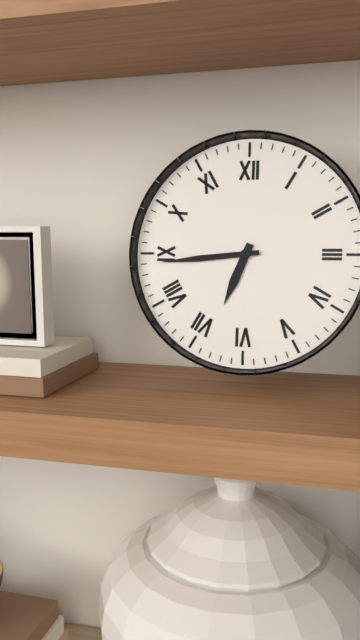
6:44
